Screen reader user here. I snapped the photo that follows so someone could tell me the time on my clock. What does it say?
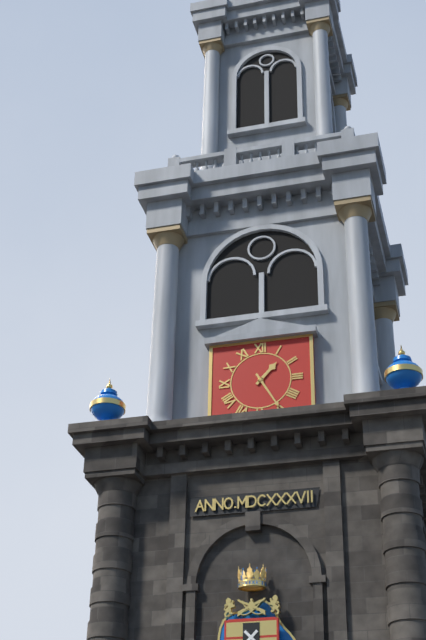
1:25
